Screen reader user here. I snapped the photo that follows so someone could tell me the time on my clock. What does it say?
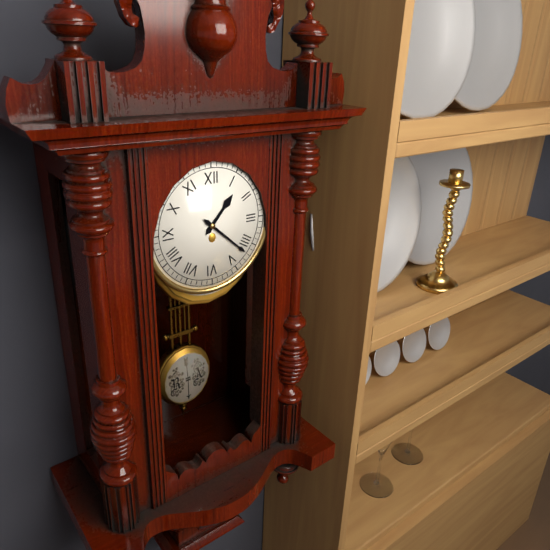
1:22
